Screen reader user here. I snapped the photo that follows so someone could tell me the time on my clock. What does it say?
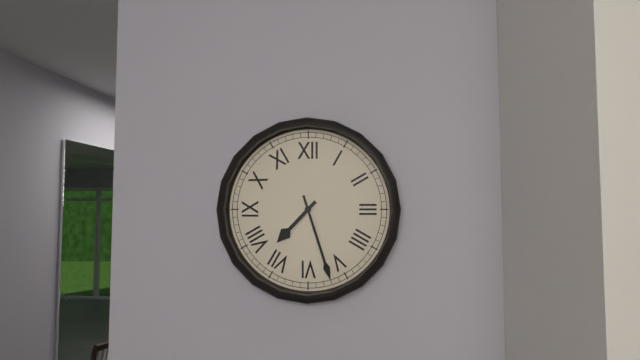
7:27
